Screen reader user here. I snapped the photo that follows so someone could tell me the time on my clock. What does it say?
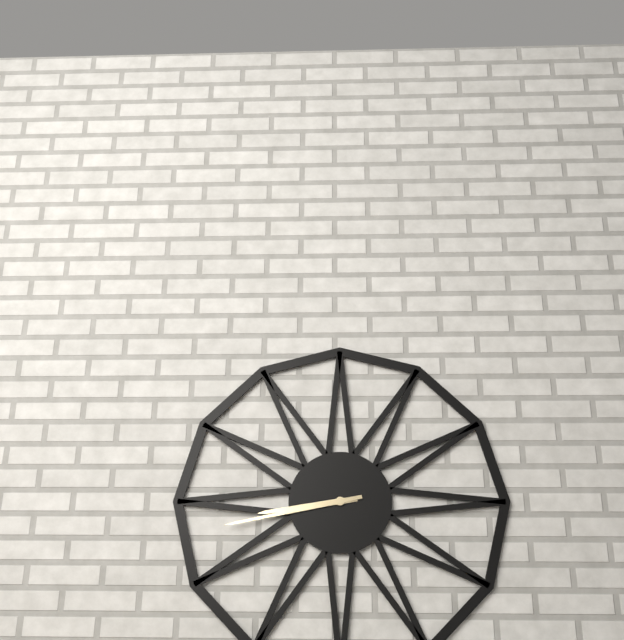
8:43
